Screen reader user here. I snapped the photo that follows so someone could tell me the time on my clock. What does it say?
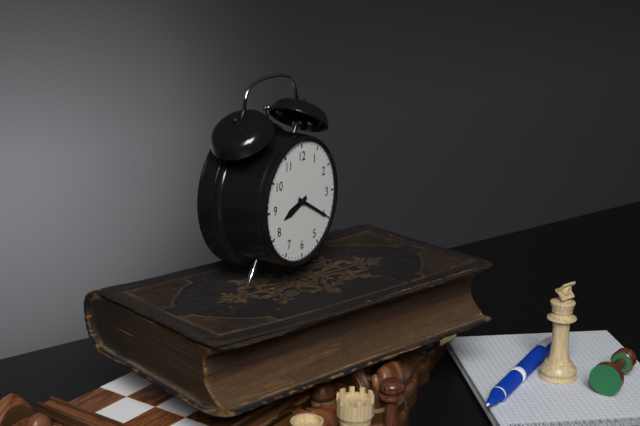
8:20
